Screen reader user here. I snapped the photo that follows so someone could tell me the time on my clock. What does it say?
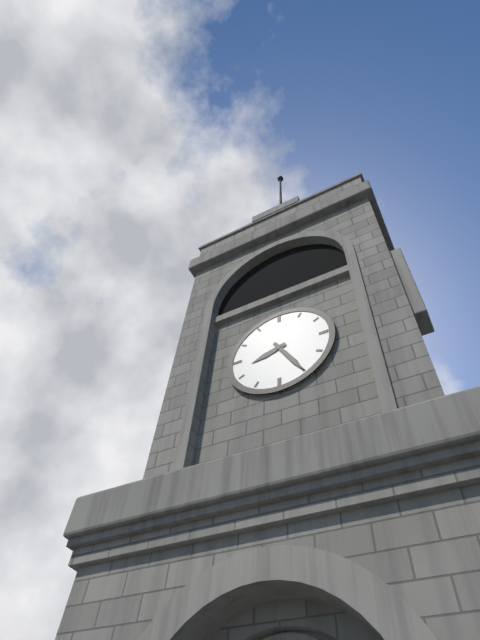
8:25
